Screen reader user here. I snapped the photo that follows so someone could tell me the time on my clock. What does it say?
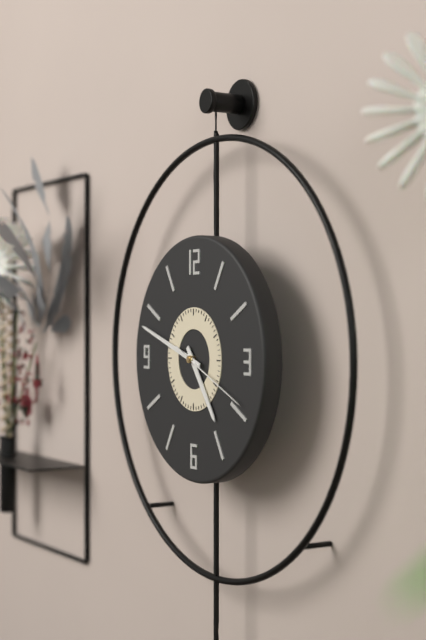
4:48:19
